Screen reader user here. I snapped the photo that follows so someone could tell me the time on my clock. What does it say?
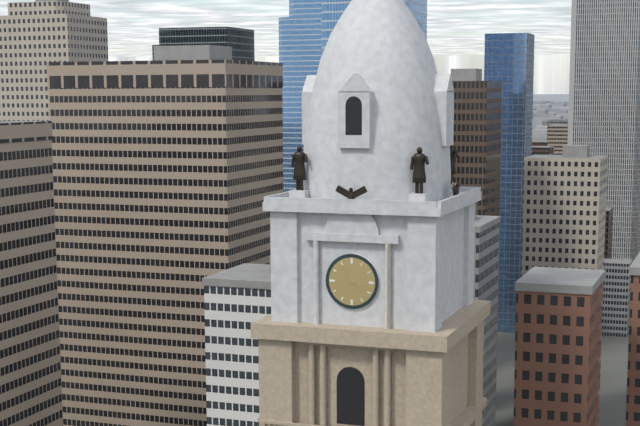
3:54
